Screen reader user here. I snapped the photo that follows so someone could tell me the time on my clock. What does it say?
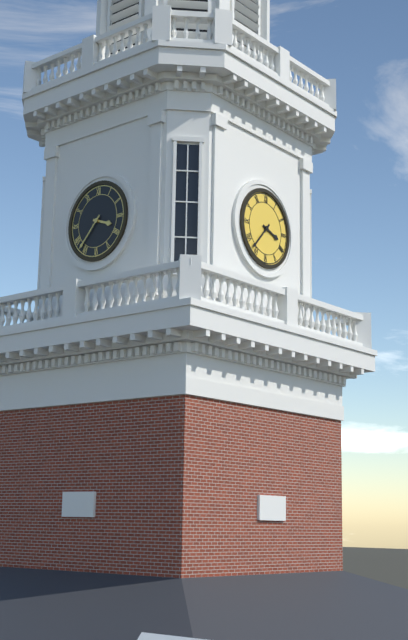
3:37
